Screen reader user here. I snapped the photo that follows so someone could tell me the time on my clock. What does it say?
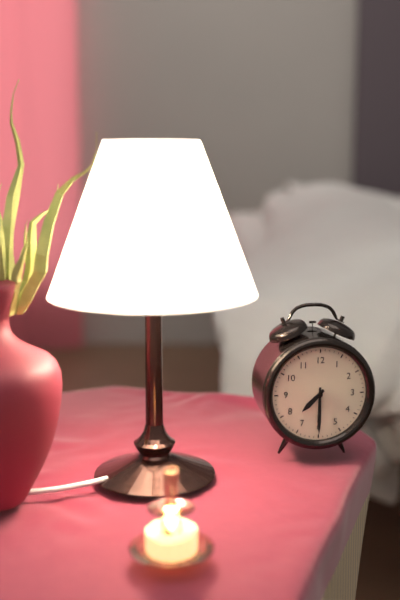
7:30
